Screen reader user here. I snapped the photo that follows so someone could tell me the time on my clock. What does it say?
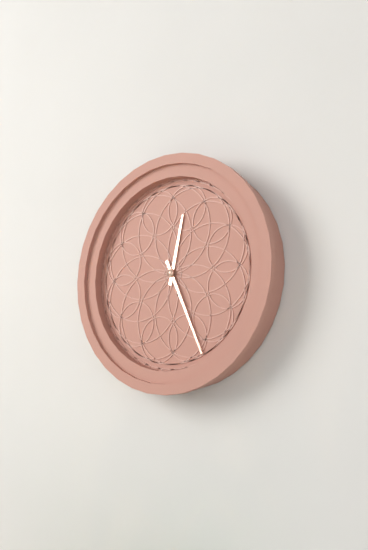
12:26
